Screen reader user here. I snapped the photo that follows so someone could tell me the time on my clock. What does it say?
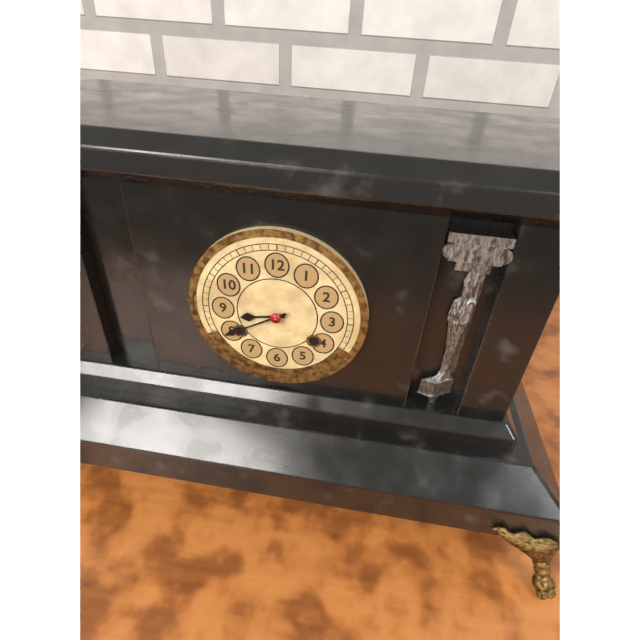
8:40
